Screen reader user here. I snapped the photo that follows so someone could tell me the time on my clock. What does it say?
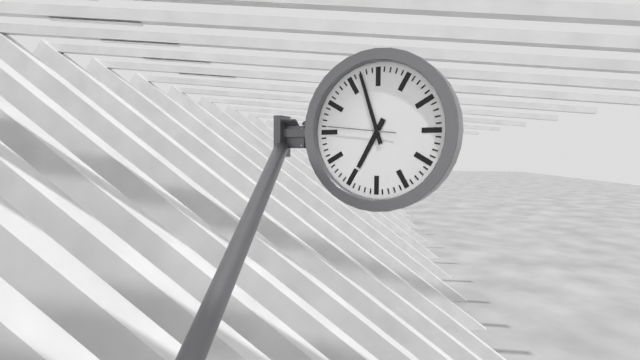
6:57:46
